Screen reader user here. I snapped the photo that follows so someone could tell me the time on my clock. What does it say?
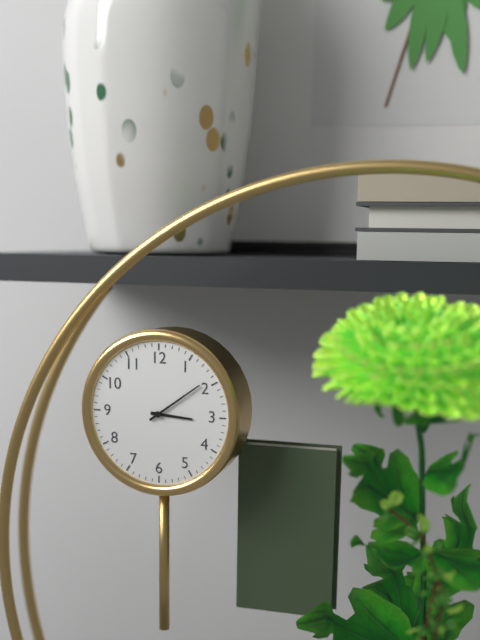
3:09
